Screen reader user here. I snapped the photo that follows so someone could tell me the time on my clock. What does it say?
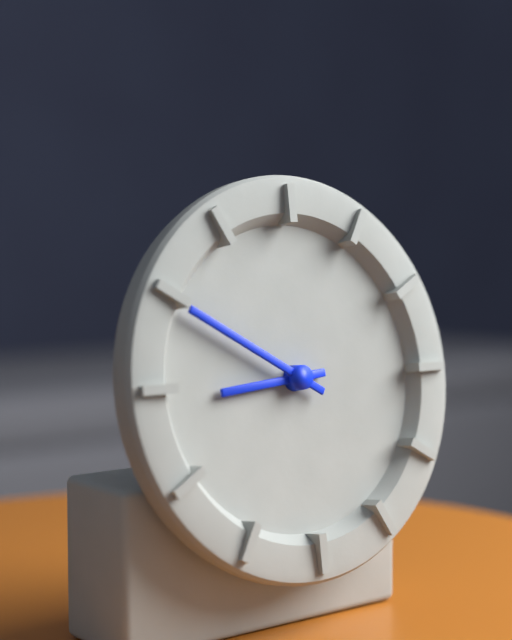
8:50
